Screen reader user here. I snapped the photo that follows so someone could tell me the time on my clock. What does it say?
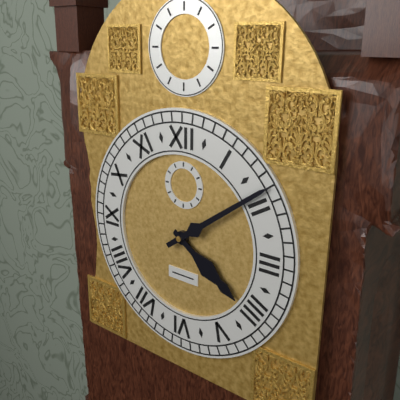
4:09
